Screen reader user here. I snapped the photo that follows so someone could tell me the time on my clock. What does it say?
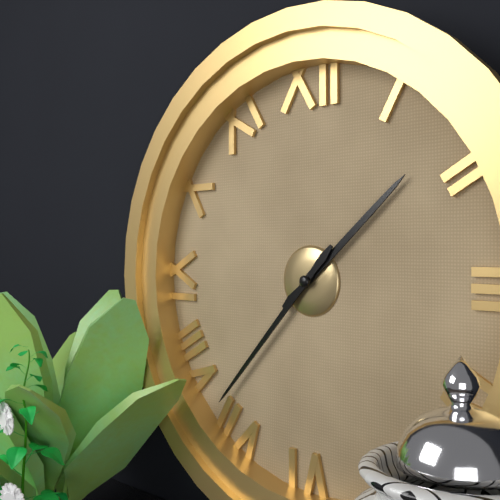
1:37
